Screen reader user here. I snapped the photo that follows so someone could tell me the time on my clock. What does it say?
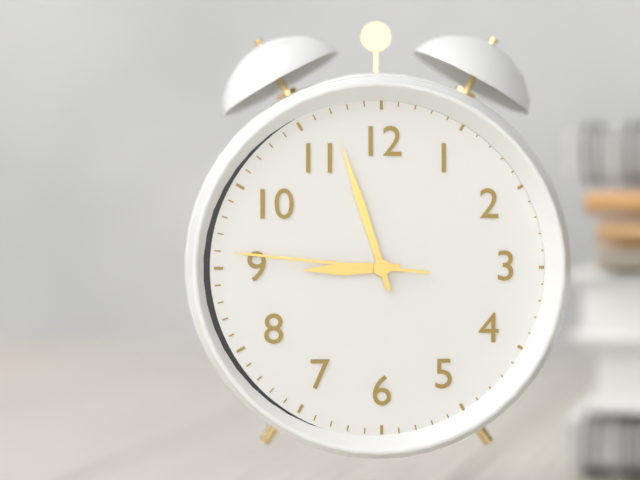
8:57:46
